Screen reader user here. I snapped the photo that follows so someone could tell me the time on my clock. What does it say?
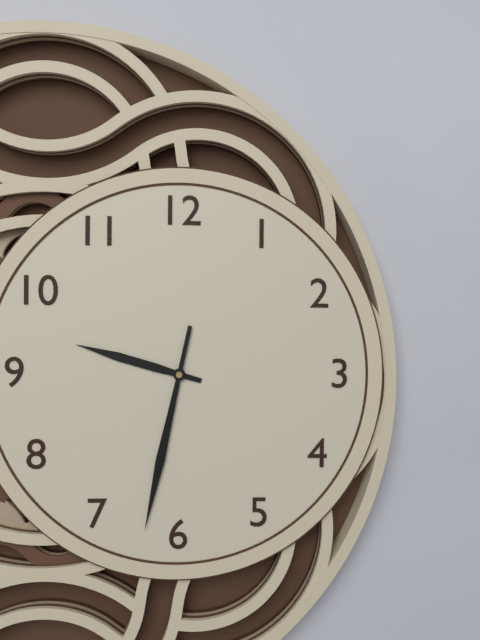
9:32
